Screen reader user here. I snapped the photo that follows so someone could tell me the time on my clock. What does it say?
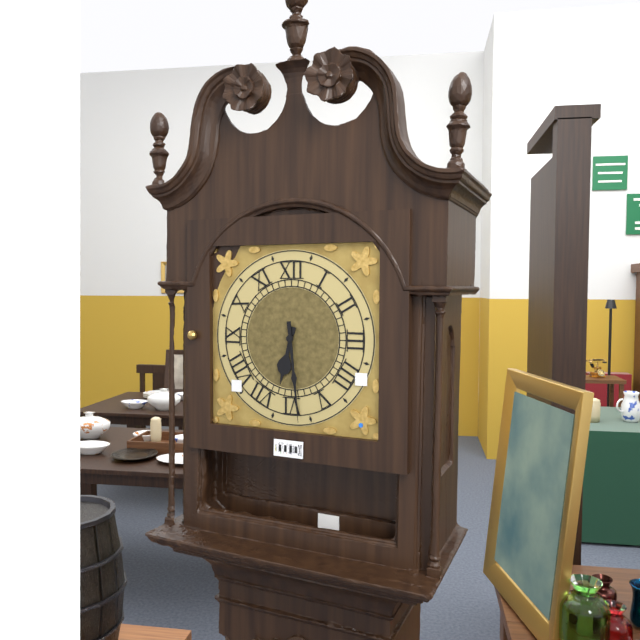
6:29
